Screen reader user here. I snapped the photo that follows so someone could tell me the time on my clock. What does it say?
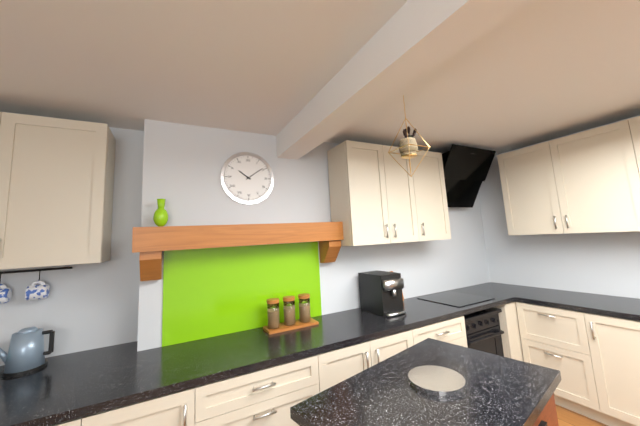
10:09
